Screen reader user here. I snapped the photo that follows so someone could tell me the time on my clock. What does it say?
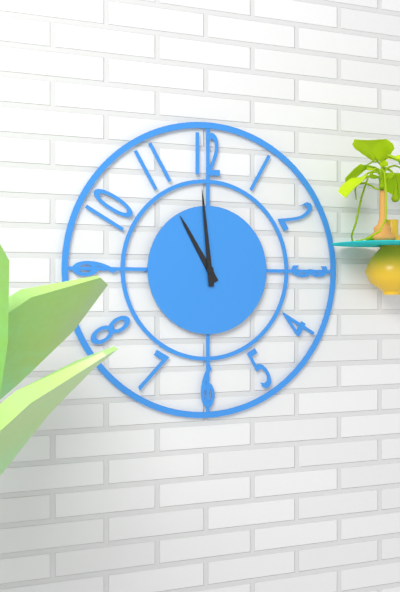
10:59
